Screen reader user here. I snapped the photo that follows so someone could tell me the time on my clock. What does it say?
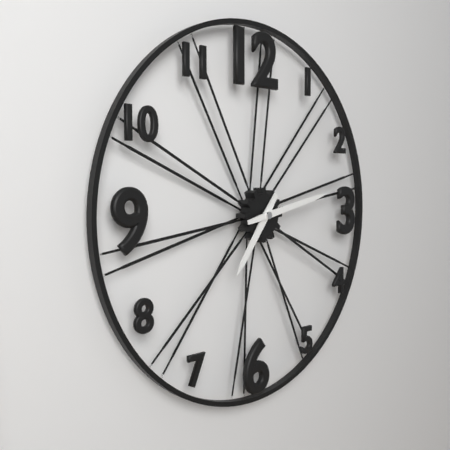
7:13
